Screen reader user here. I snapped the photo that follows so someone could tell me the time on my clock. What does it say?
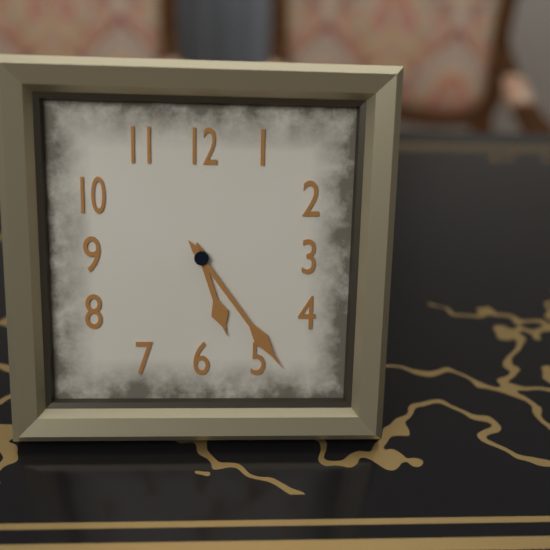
5:24
